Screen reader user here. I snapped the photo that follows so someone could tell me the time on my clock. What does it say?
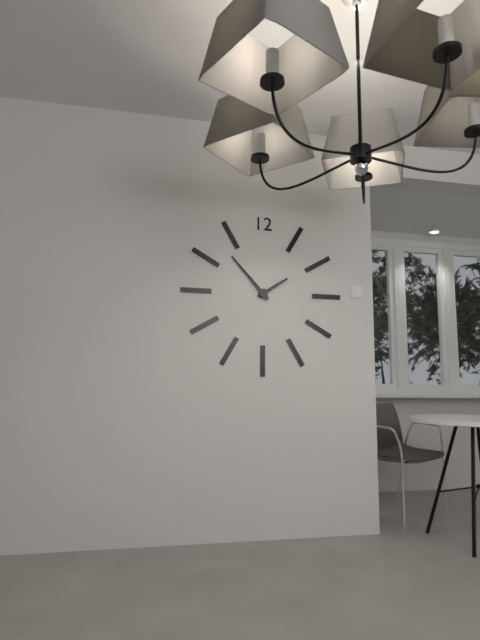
1:53
